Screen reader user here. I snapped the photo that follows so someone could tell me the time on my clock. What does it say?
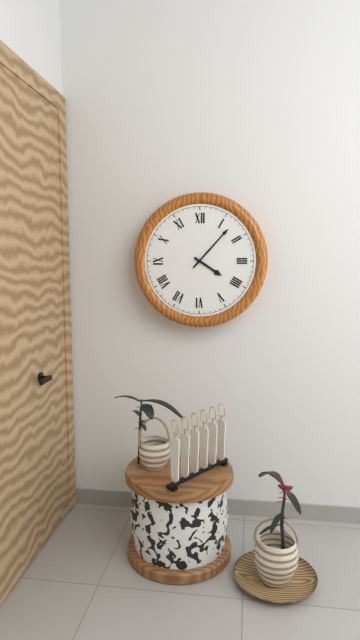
4:07
